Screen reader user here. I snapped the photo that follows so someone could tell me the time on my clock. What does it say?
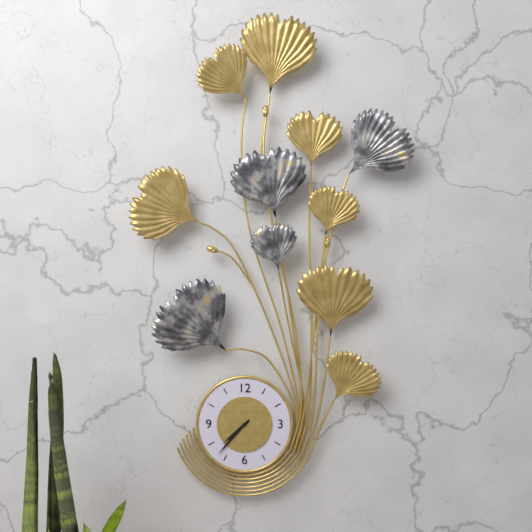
7:37
